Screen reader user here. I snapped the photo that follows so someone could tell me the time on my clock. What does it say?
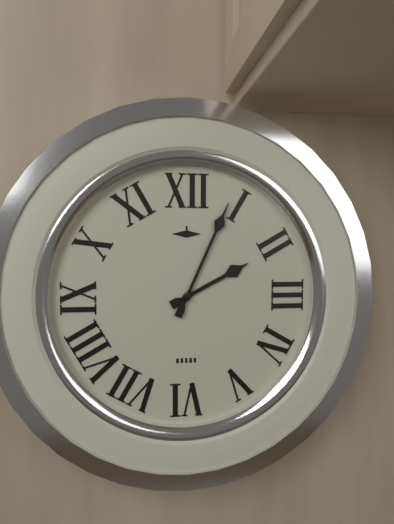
2:04
